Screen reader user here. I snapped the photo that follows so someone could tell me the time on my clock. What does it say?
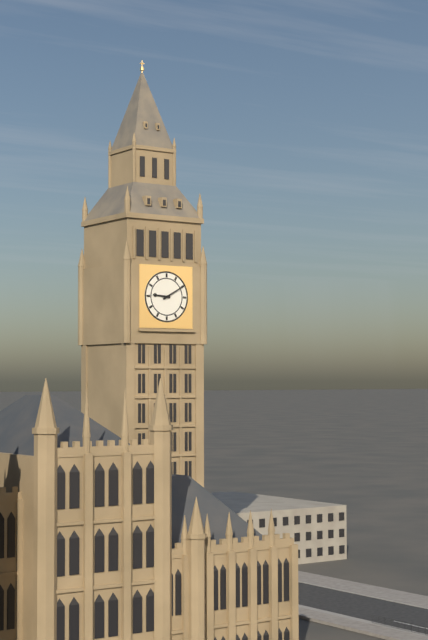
9:10
